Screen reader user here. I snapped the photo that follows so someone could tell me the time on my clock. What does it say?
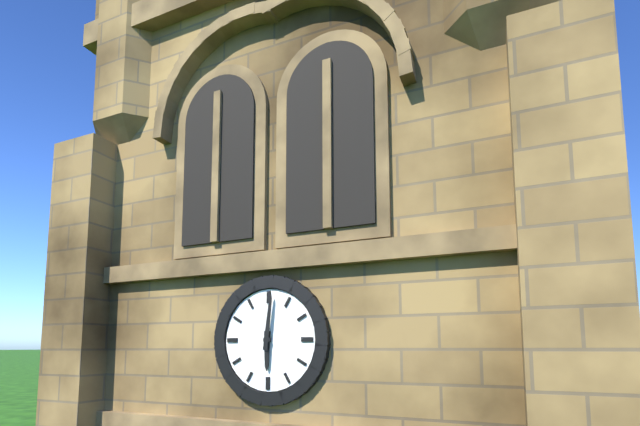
6:01
